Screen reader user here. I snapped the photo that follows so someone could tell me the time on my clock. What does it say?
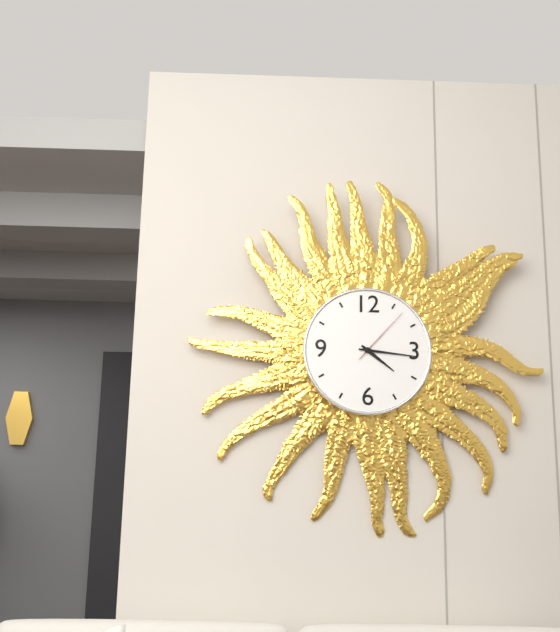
4:16:07
